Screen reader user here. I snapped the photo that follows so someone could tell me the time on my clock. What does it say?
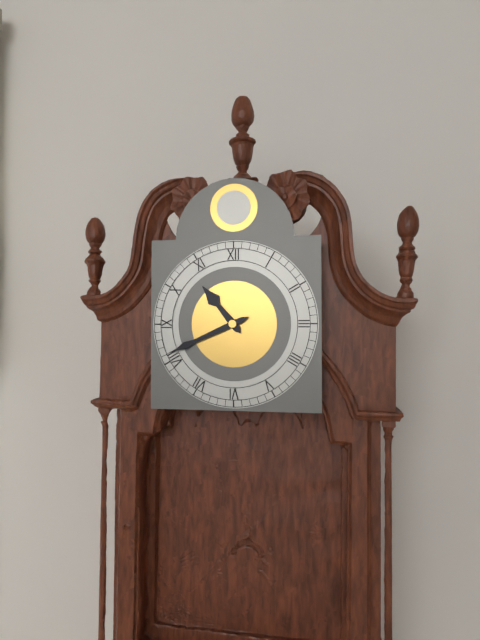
10:41
